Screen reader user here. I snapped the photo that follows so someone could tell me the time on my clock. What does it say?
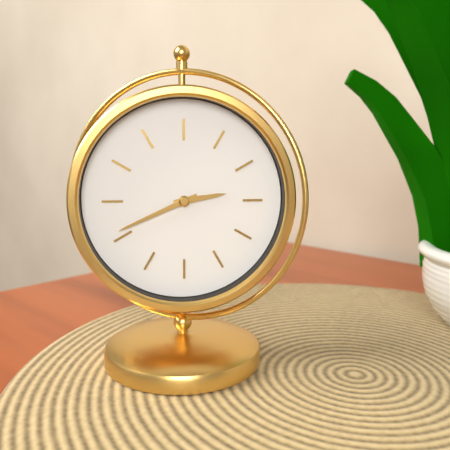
2:41
